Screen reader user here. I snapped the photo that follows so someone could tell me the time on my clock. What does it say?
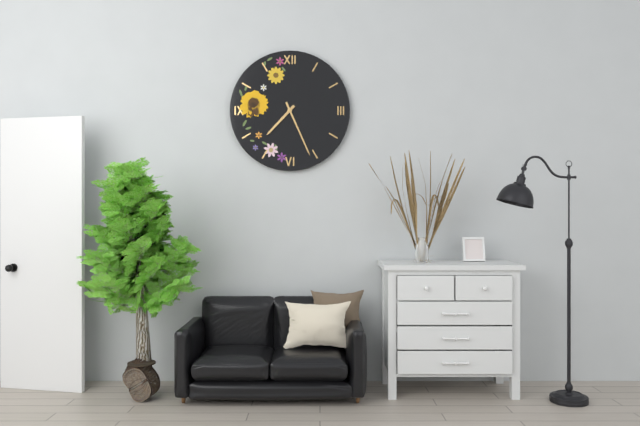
7:26
